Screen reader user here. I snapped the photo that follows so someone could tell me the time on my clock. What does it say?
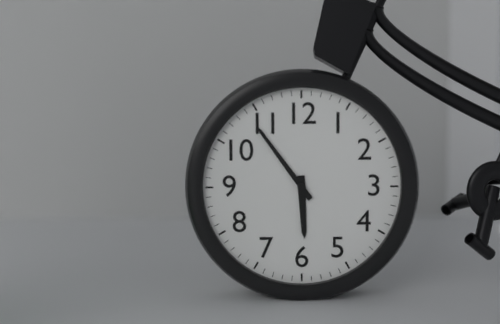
5:54
